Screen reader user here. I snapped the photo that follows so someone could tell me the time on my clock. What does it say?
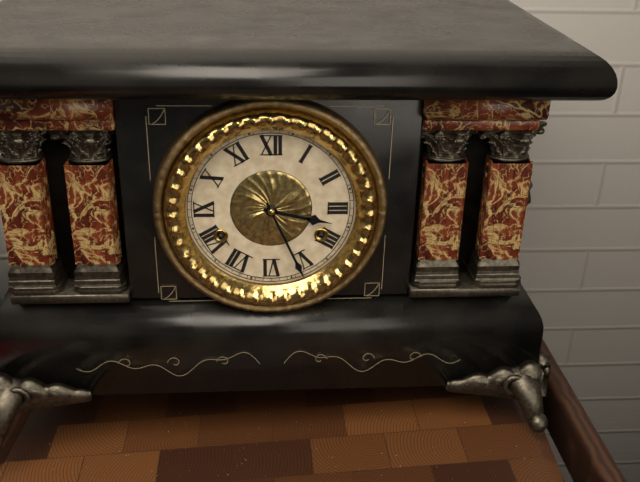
3:26
